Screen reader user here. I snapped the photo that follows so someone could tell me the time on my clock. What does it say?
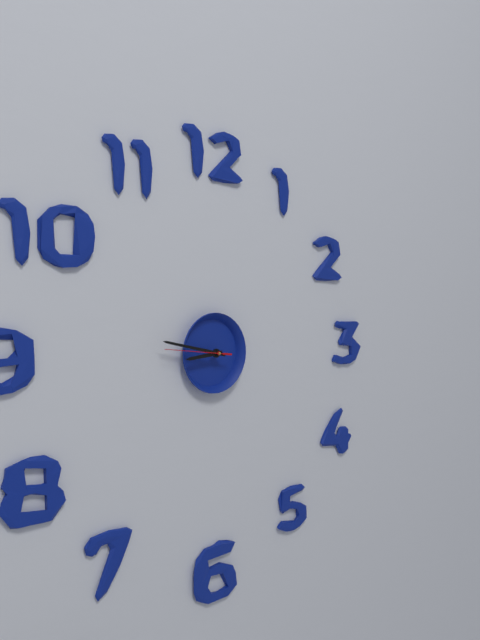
8:47:46
